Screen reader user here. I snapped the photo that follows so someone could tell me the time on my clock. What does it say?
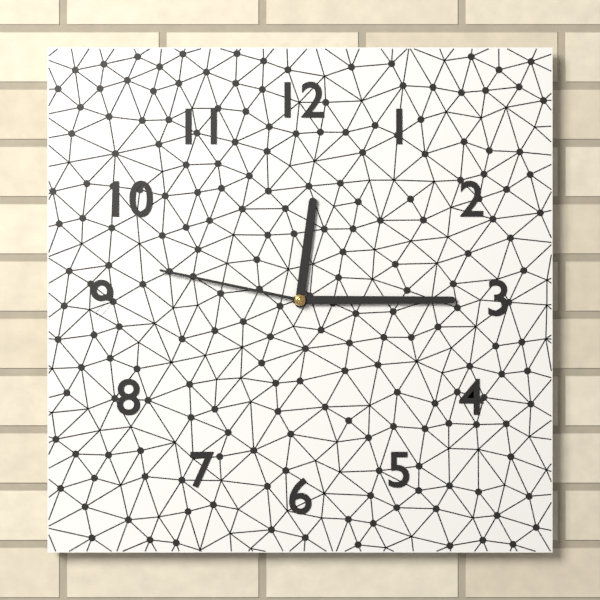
12:15:47
